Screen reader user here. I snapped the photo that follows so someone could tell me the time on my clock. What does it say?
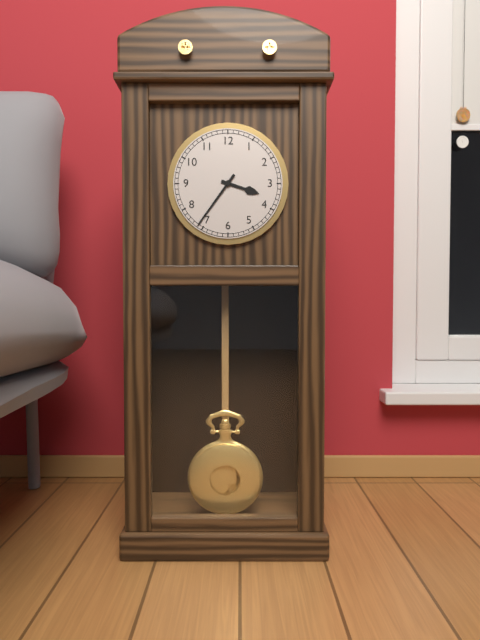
3:36
